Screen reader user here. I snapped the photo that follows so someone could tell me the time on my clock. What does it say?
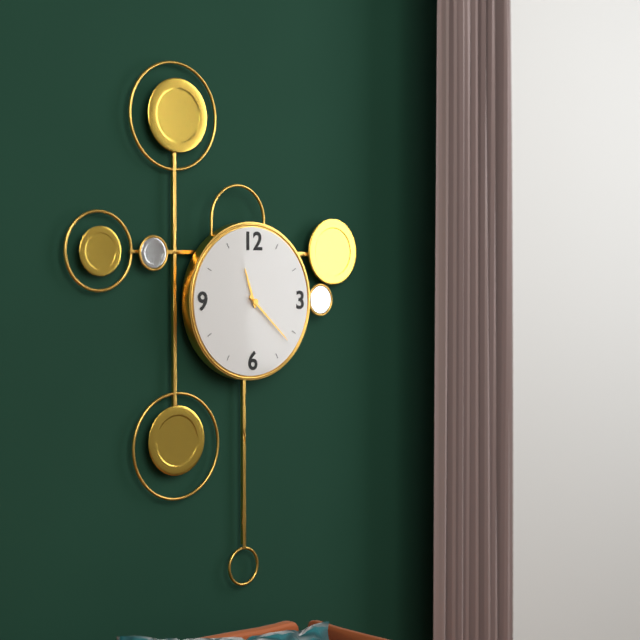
11:22
